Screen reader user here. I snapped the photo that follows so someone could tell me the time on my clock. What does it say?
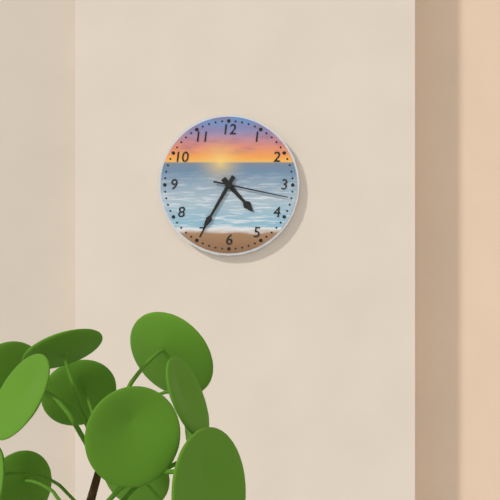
4:35:17
